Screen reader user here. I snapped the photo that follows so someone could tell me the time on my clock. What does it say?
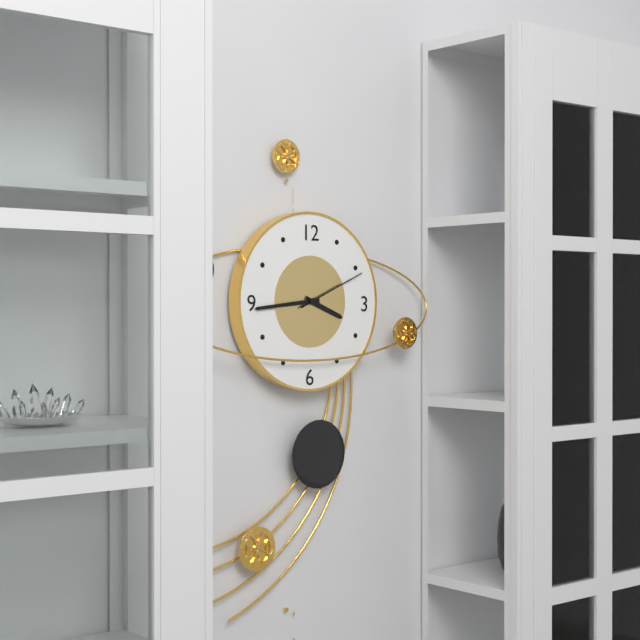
3:44:11
